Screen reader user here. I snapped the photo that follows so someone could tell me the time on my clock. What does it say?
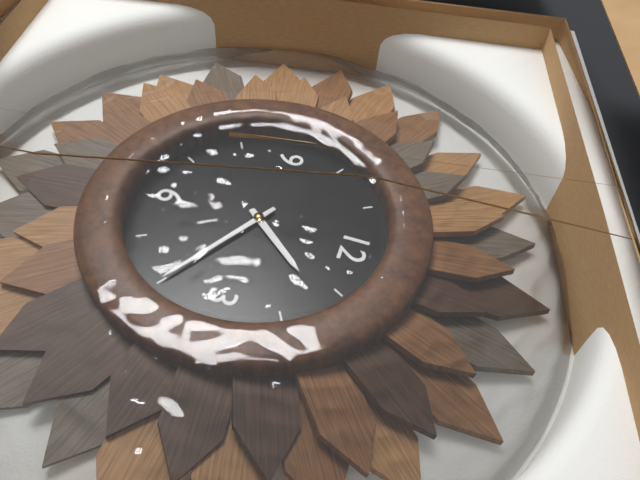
1:20
